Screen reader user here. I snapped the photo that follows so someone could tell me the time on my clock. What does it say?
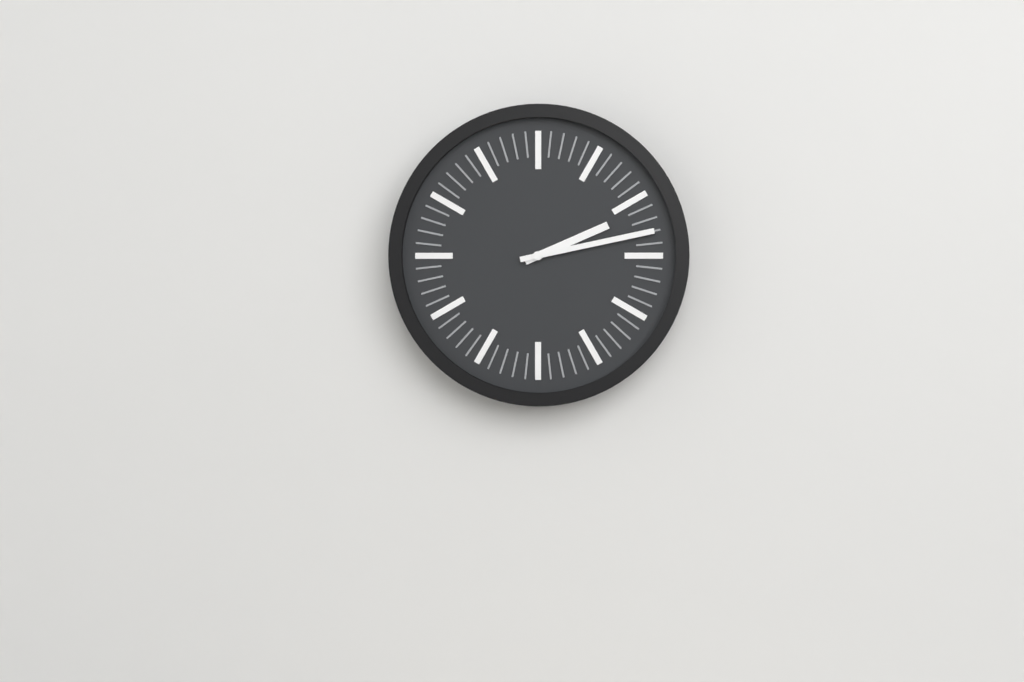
2:13
